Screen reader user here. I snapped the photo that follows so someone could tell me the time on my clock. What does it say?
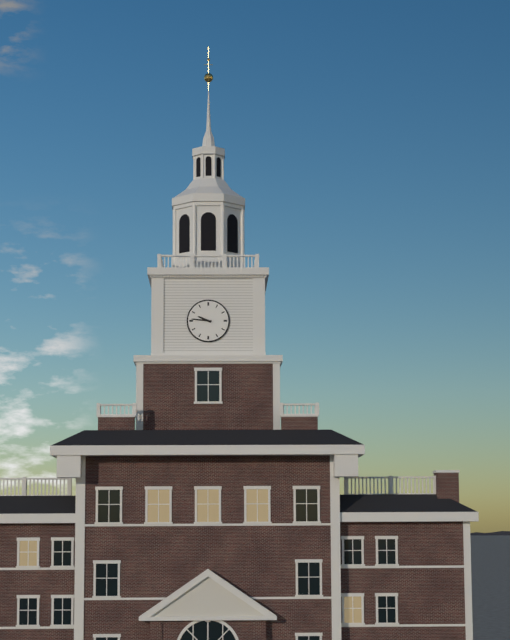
9:46
